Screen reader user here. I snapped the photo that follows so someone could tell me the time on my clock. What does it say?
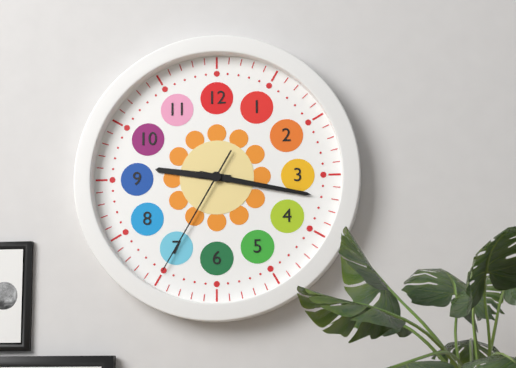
9:17:35
